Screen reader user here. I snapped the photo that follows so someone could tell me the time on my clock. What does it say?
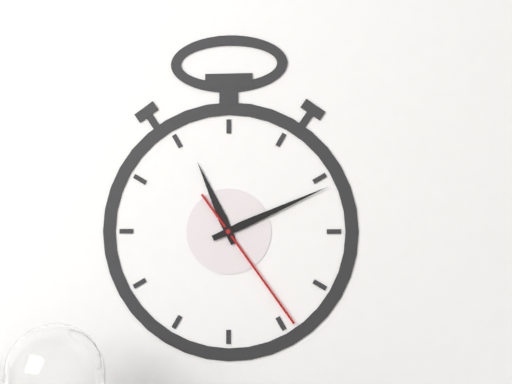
11:11:24
